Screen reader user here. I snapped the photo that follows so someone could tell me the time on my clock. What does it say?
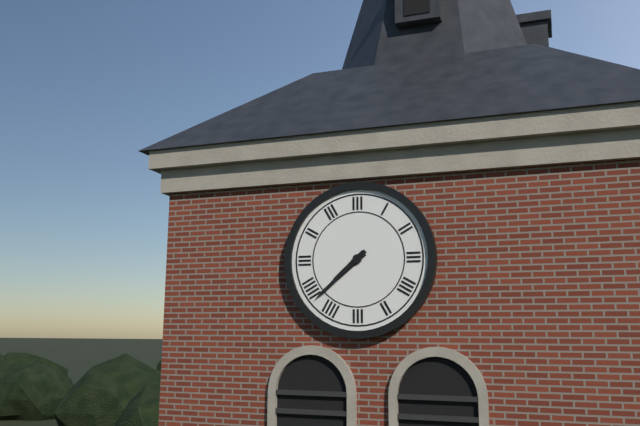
7:38
